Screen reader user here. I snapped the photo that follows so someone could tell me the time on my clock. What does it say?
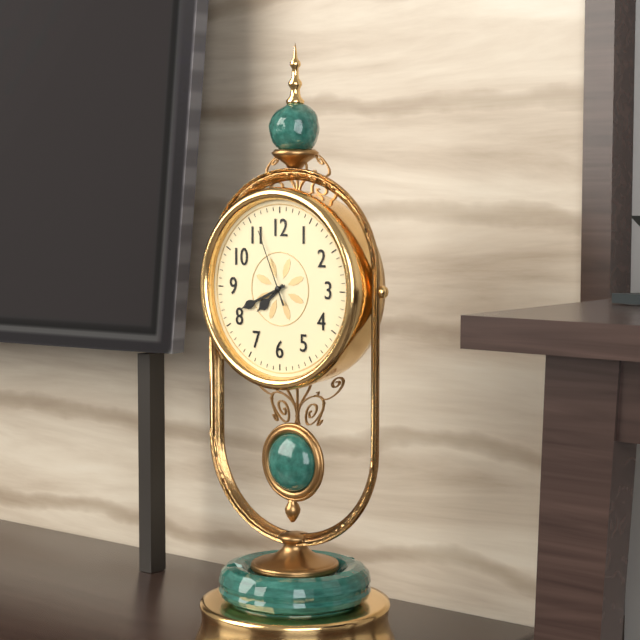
7:41:56
